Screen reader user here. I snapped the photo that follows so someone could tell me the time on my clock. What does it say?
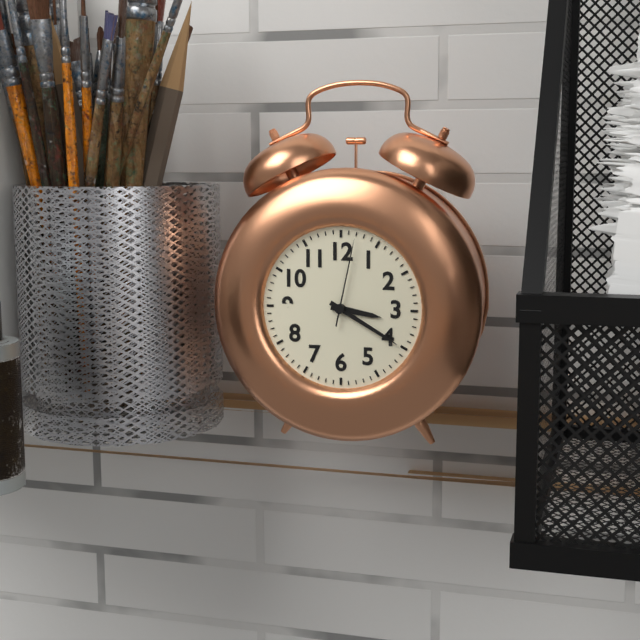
3:20:02
